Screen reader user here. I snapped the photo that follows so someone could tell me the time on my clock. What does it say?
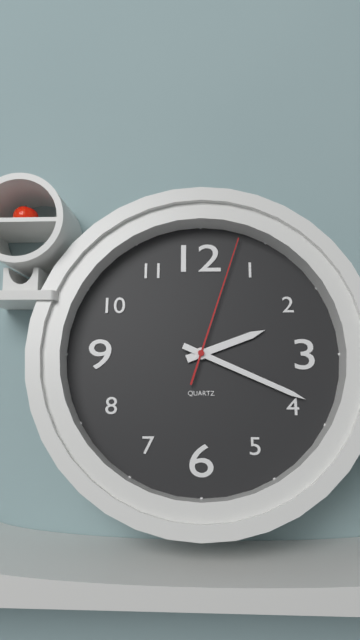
2:19:03
